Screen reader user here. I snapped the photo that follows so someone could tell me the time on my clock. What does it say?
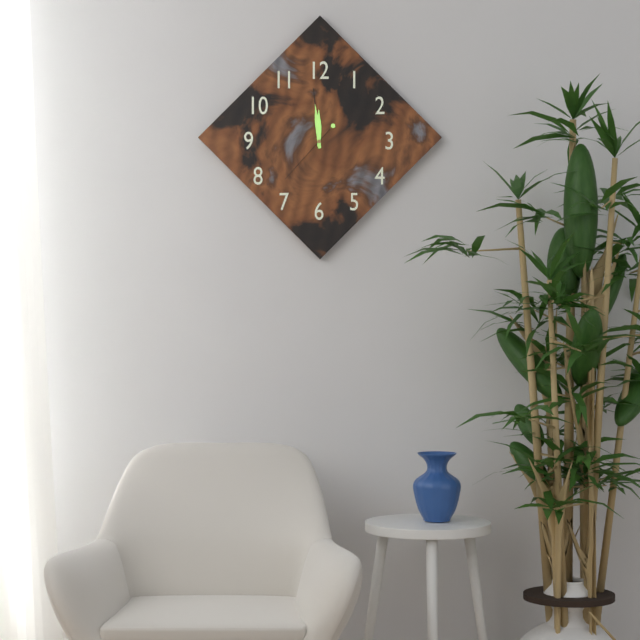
11:59:37
